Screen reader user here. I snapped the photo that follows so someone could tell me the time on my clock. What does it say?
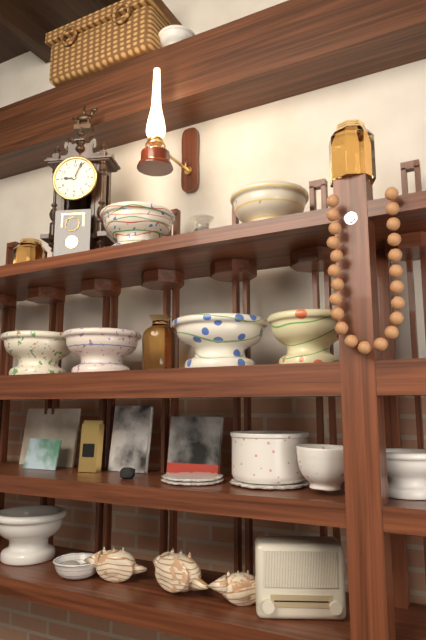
9:04
